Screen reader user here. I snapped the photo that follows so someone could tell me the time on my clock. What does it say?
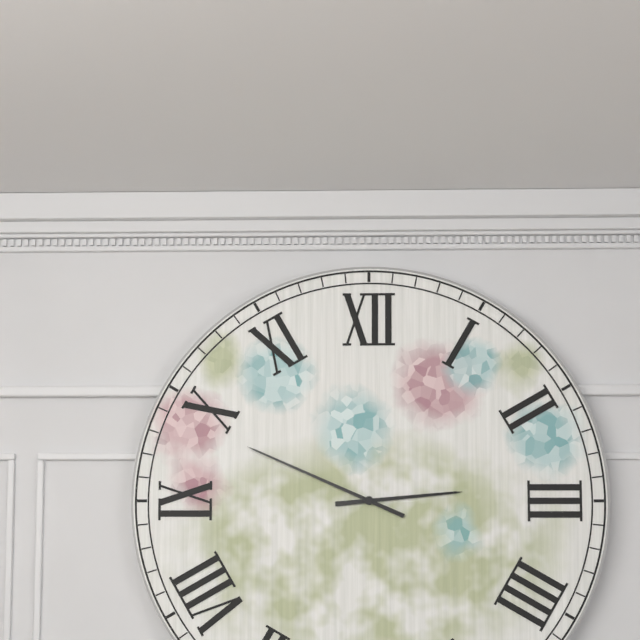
2:49
